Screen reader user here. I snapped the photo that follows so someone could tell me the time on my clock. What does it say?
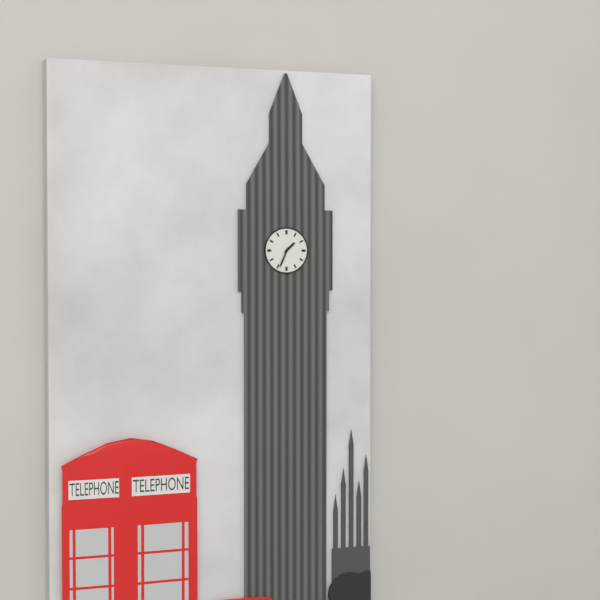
1:34
